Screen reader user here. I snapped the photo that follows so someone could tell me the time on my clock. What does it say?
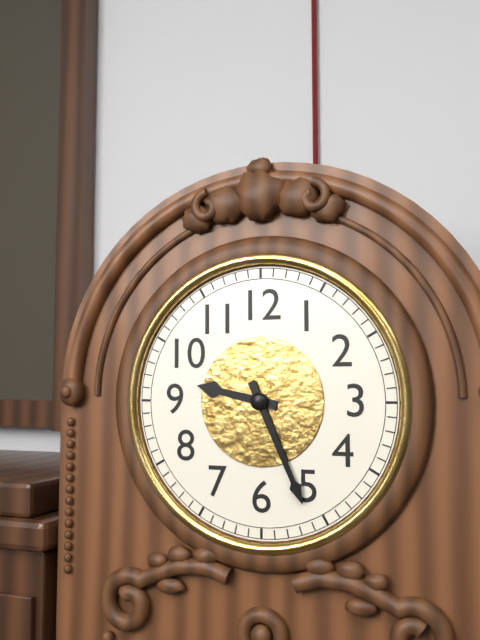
9:26
